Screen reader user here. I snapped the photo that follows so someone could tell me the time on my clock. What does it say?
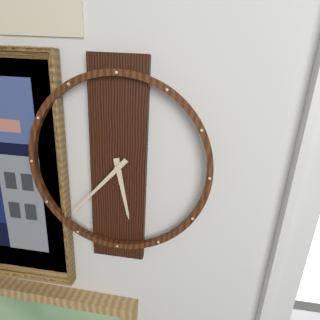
5:37
